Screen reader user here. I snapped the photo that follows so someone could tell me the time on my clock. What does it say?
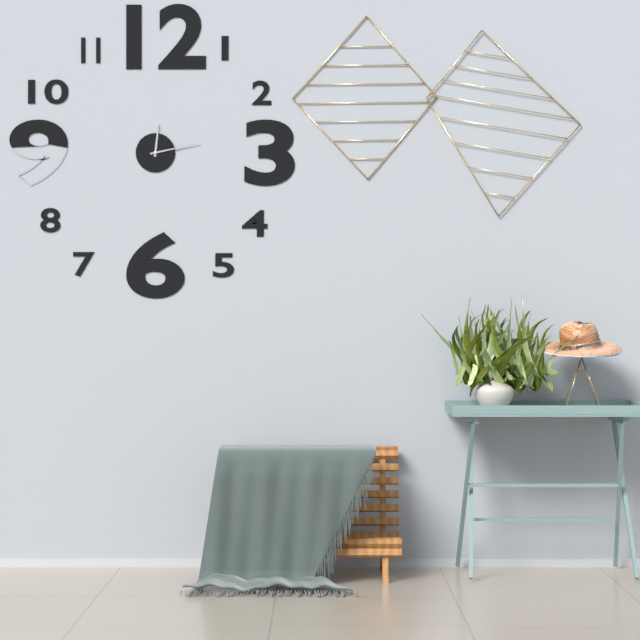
12:13
